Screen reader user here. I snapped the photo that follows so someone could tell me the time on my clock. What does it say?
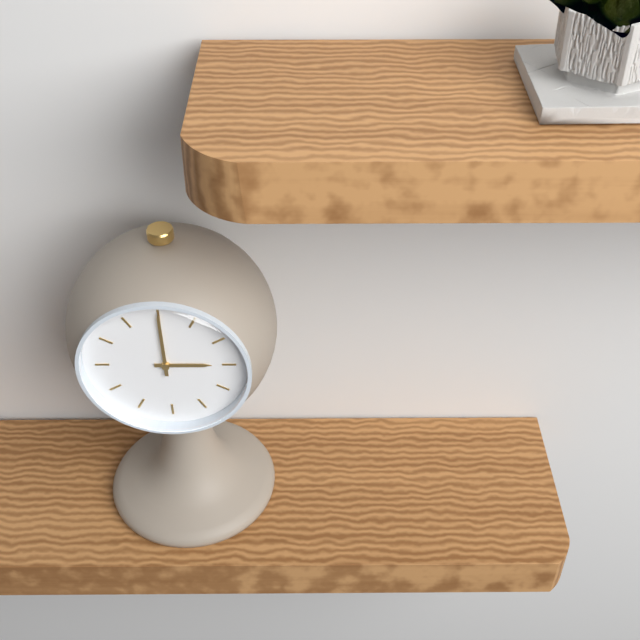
3:00
